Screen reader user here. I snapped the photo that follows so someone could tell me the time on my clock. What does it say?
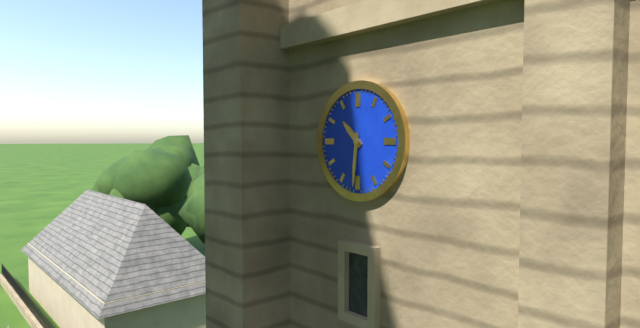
10:31
